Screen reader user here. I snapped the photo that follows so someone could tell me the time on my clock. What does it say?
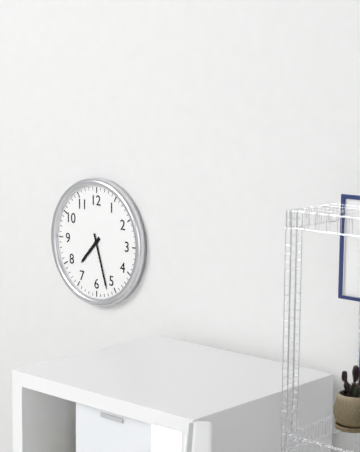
7:27
